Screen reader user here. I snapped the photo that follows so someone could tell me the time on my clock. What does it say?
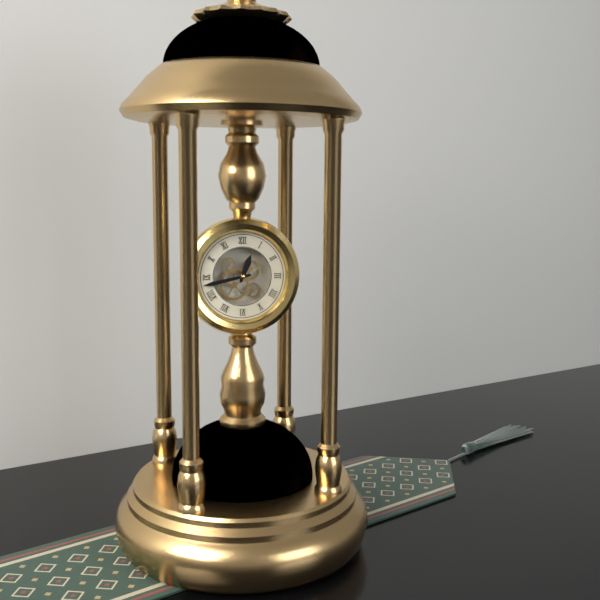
12:43
